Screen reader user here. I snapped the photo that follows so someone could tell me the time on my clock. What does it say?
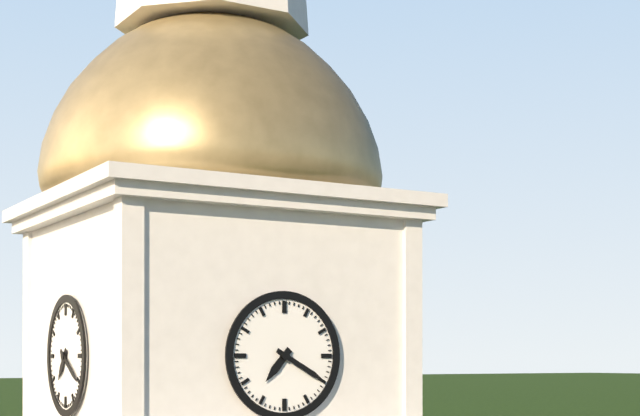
7:20
